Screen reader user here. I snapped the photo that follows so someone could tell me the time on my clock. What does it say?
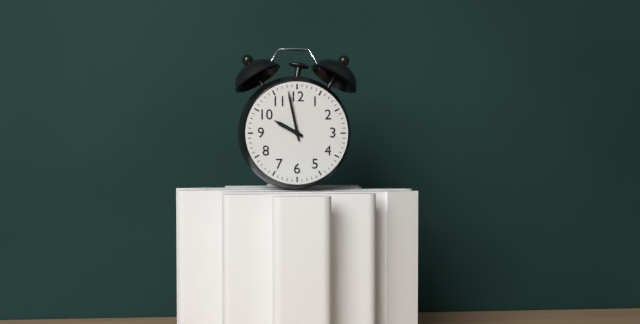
9:58
